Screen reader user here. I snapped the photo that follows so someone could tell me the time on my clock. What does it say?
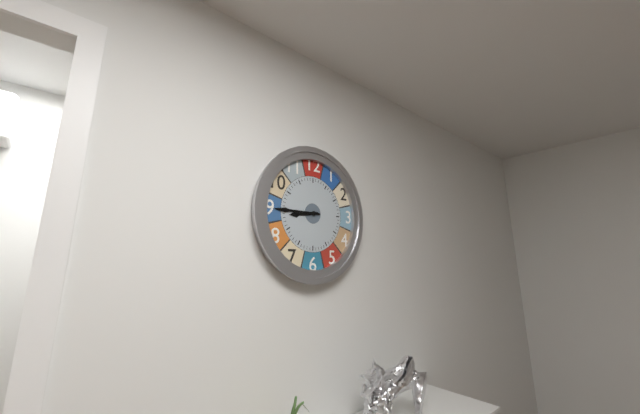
8:45
